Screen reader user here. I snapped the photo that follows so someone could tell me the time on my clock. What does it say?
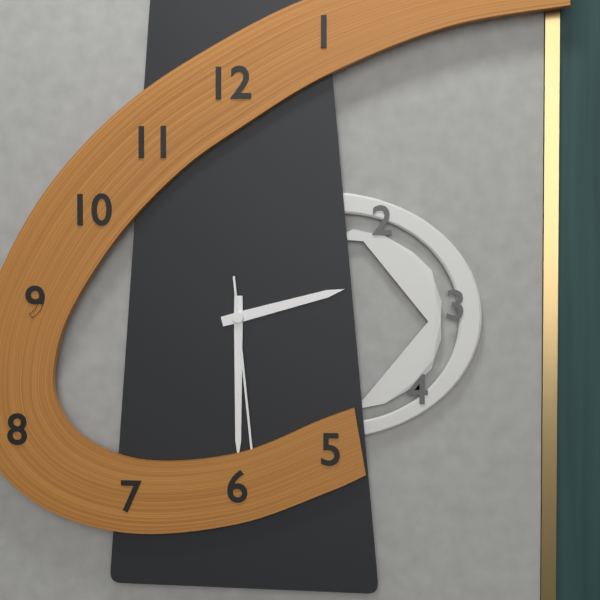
2:30:29
